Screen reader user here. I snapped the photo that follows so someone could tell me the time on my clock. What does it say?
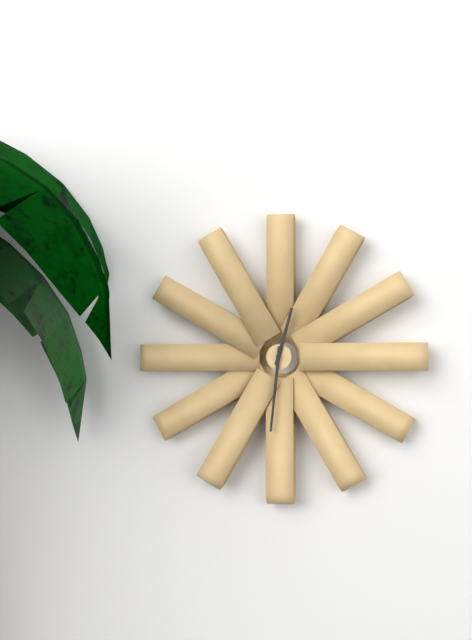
12:31
